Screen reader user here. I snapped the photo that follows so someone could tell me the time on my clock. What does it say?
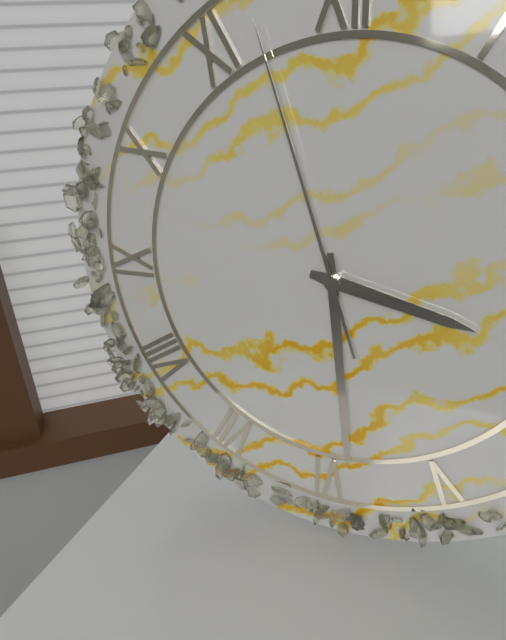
3:29:57
